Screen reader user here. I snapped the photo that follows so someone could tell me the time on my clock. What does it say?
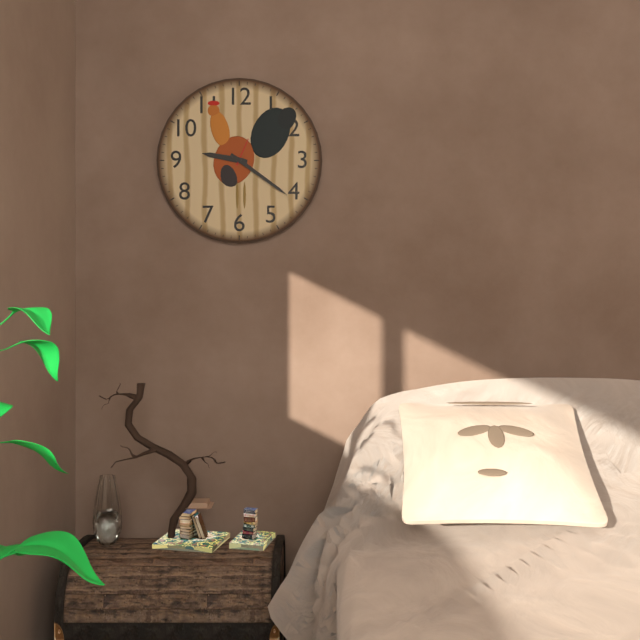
9:21
